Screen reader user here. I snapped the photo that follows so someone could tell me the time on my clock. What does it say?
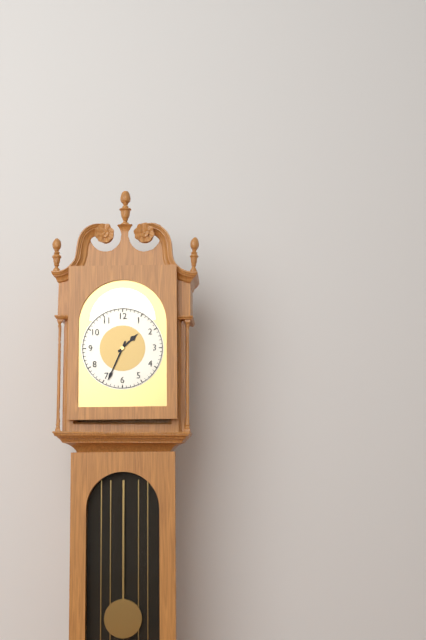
1:34
